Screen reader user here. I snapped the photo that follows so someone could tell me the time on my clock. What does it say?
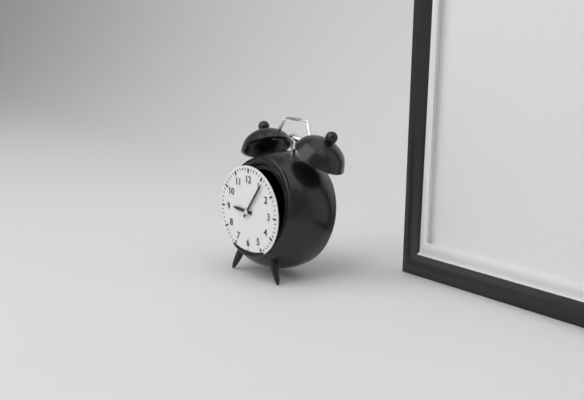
9:06
